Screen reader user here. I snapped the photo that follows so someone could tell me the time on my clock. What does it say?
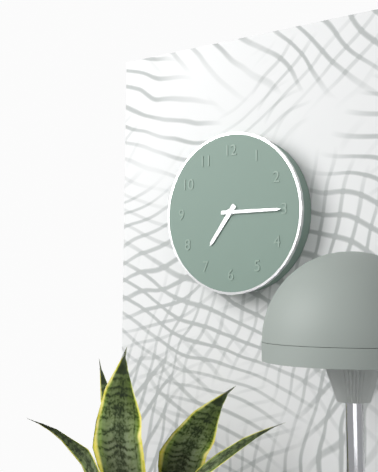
7:15
